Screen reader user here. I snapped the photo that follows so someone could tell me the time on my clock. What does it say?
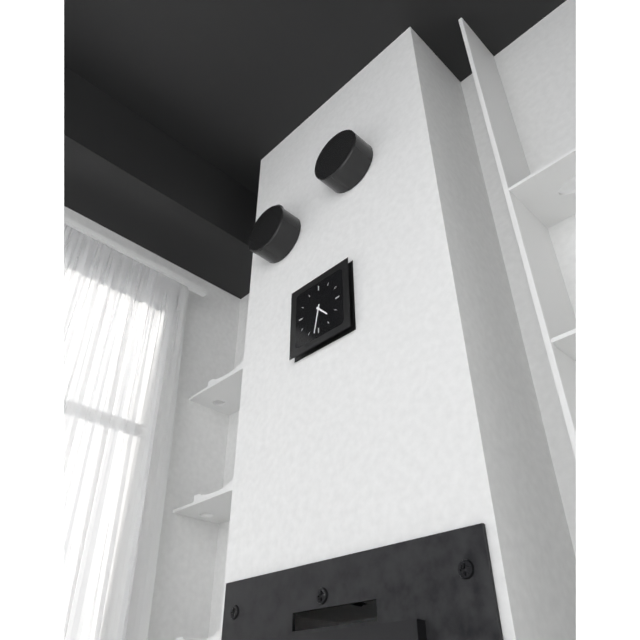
4:32
